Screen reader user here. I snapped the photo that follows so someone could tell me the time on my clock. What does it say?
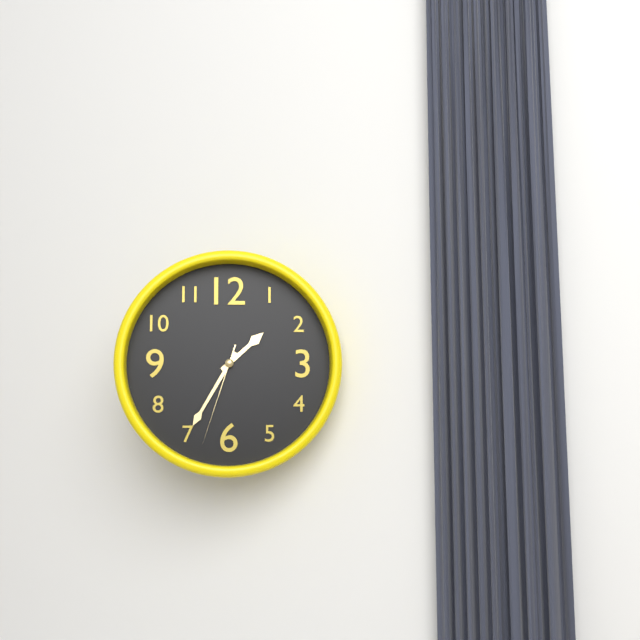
1:35:33
